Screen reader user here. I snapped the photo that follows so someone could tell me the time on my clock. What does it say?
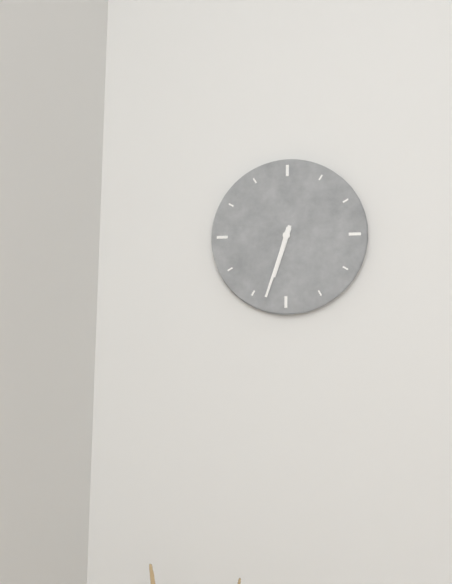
6:33
